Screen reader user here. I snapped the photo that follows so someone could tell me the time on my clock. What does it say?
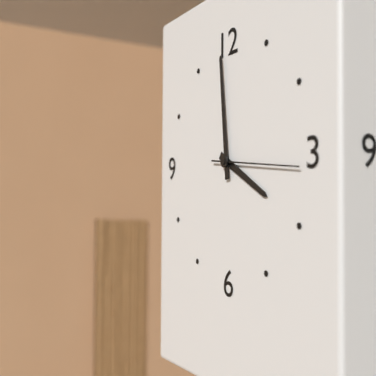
3:59:16
